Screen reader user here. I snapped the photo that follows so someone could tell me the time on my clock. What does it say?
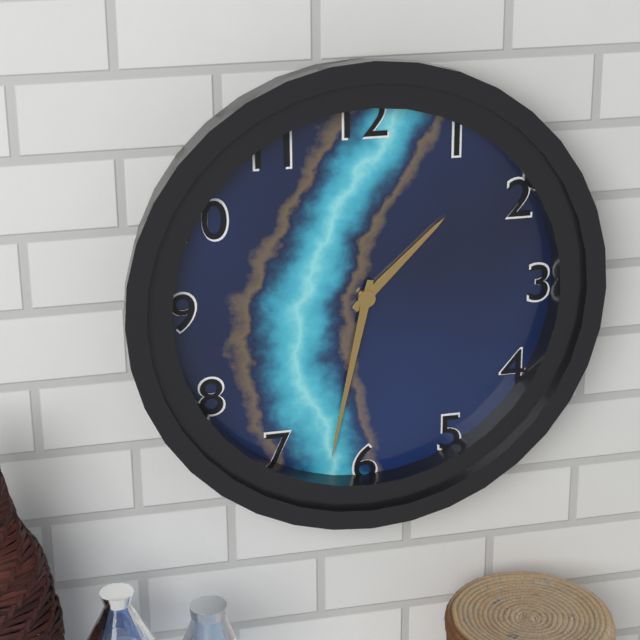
1:32
